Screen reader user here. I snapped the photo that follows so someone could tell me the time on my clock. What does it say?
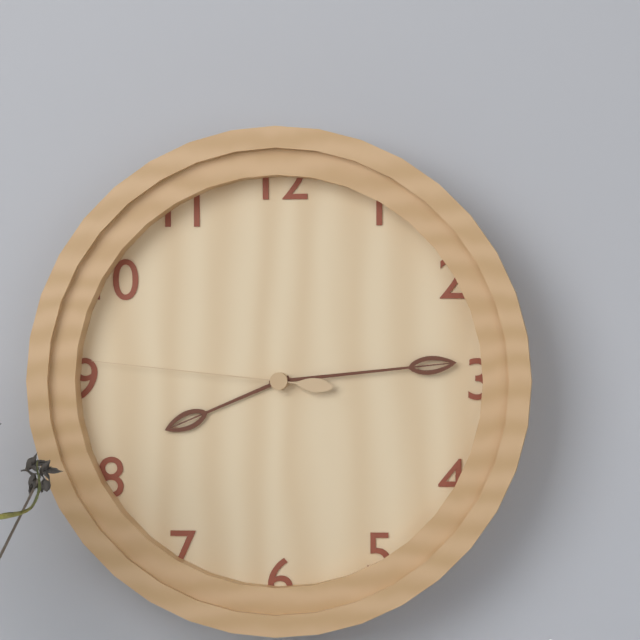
8:14:46
